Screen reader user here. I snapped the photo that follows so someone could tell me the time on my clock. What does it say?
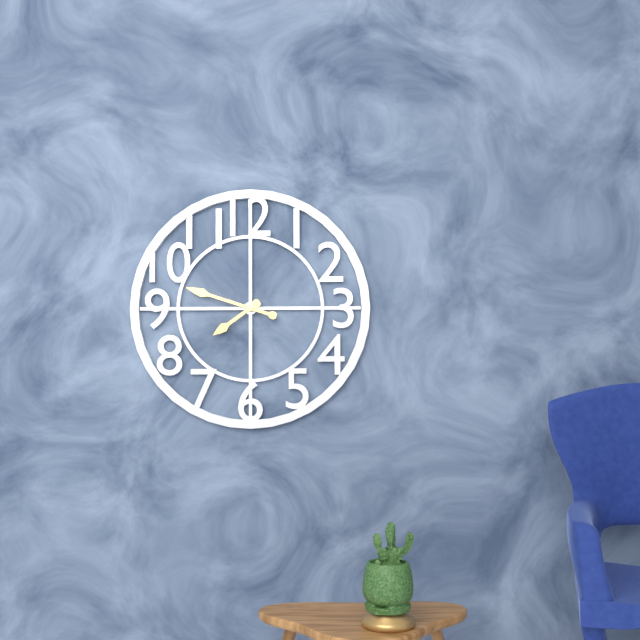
7:48
